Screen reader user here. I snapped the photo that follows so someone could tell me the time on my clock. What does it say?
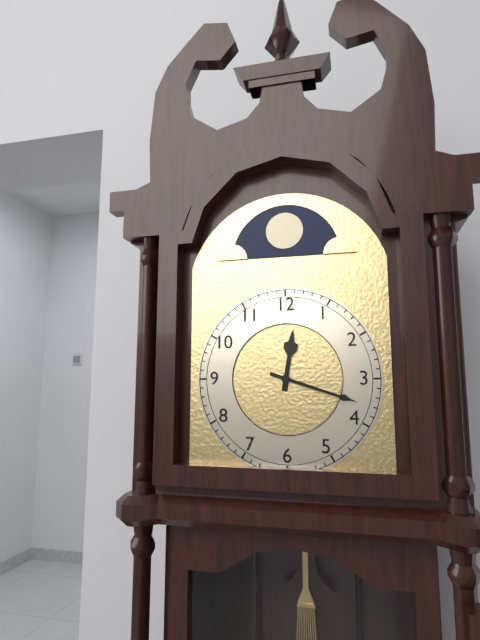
12:18
